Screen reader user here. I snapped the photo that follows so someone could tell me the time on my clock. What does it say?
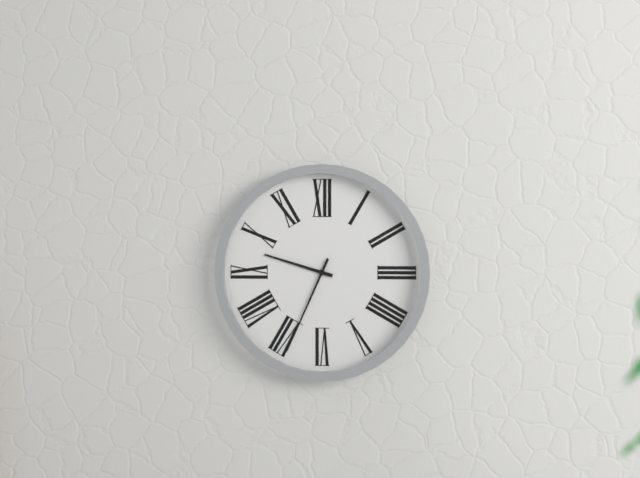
9:34
